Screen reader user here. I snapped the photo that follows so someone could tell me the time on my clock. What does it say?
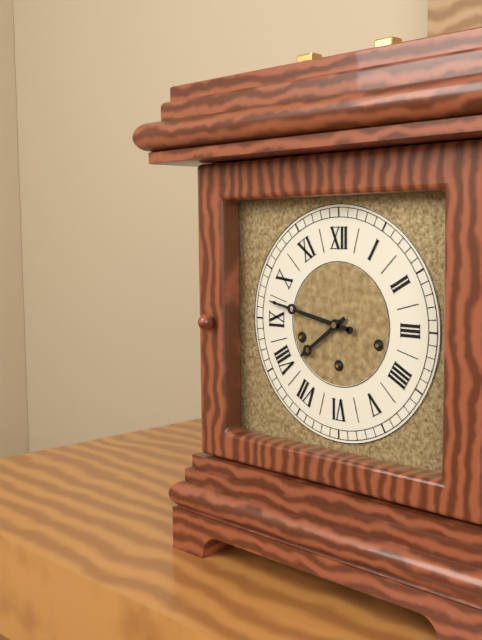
7:47
